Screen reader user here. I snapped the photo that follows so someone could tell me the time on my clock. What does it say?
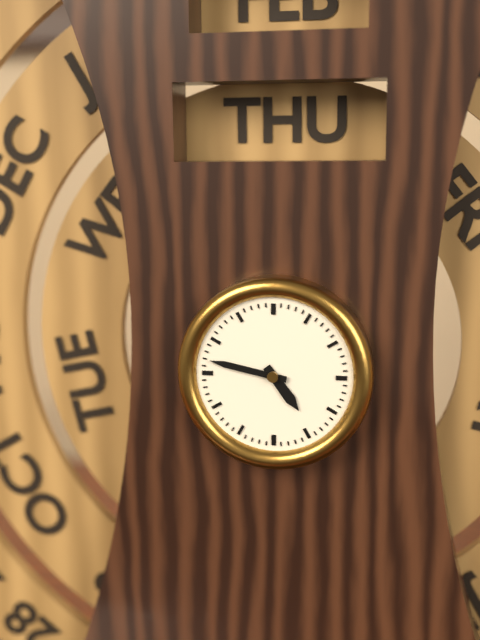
4:47
